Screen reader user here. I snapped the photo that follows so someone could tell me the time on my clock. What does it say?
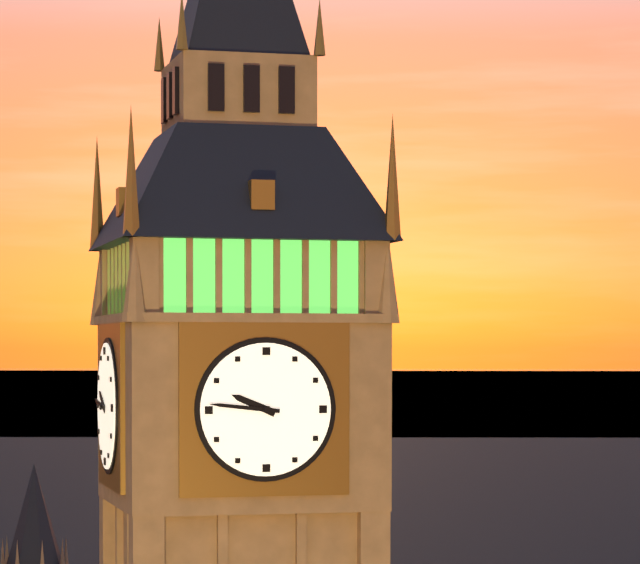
9:46
